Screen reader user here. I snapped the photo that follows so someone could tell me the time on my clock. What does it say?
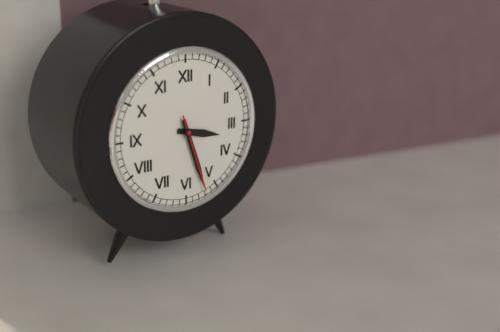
3:27:27
